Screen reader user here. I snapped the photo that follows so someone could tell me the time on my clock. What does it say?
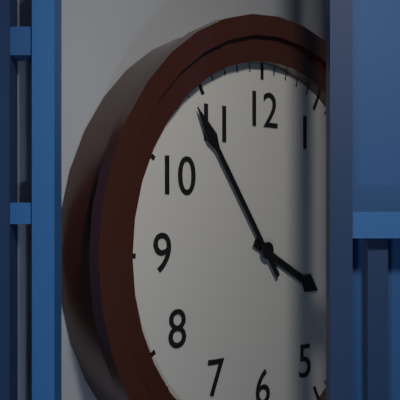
3:54
